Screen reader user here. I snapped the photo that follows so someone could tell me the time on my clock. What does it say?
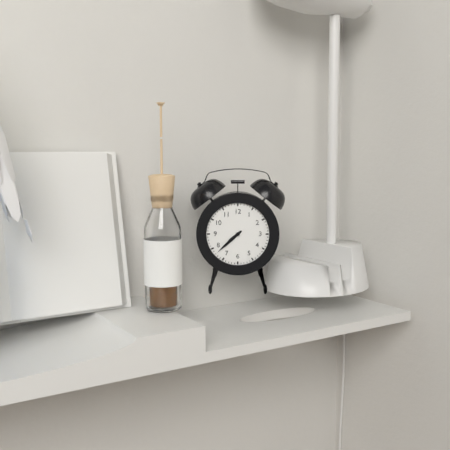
7:38
